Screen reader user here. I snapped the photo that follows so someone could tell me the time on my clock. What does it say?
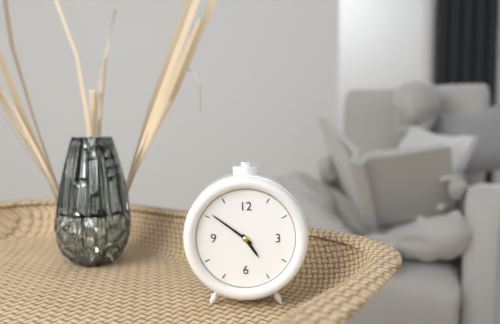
4:51
